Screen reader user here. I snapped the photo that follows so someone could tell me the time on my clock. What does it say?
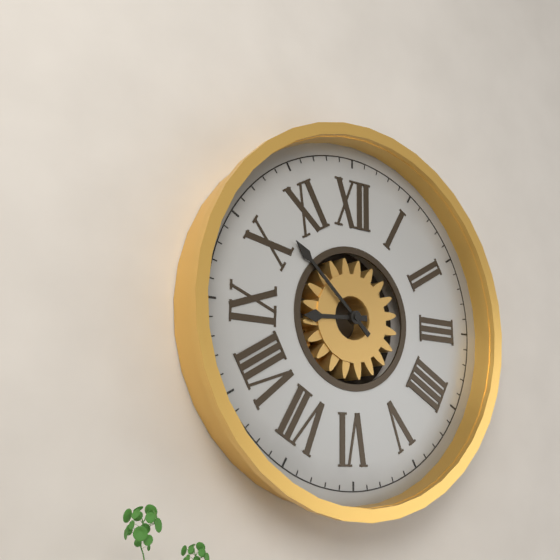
8:52
